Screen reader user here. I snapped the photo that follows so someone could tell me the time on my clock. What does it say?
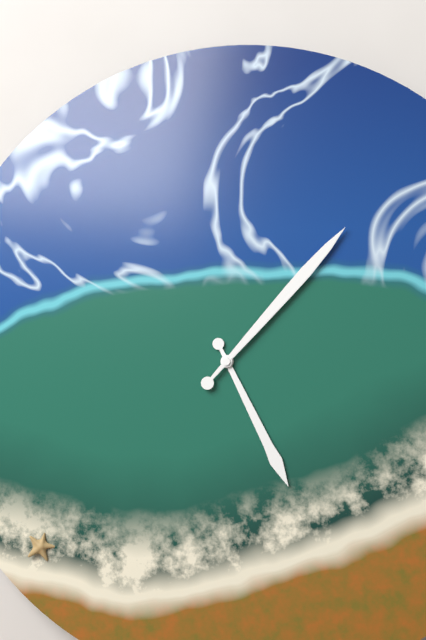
5:07
